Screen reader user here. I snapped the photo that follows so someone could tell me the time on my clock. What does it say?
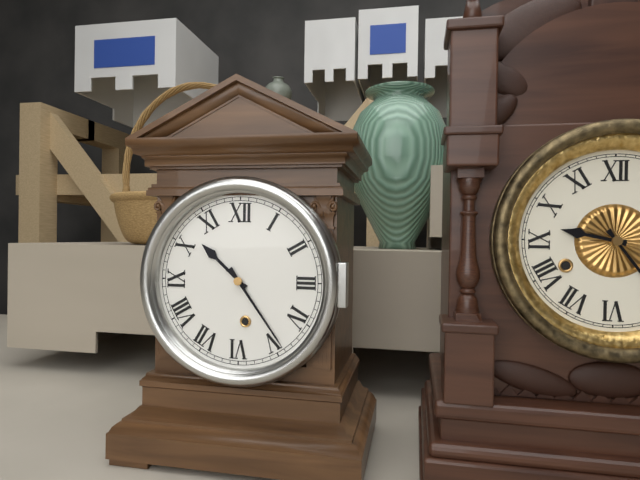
10:24
